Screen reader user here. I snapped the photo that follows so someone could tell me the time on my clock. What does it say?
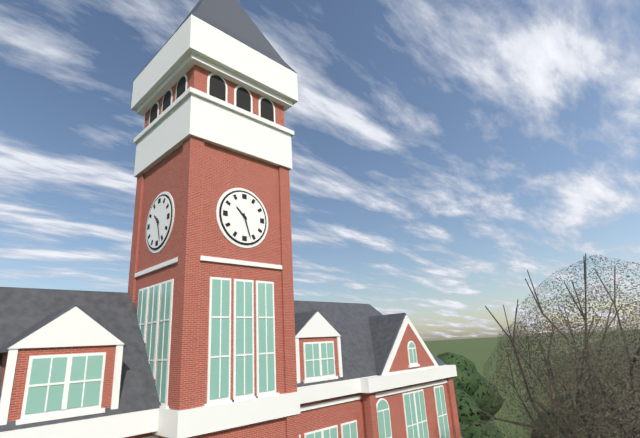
10:27
